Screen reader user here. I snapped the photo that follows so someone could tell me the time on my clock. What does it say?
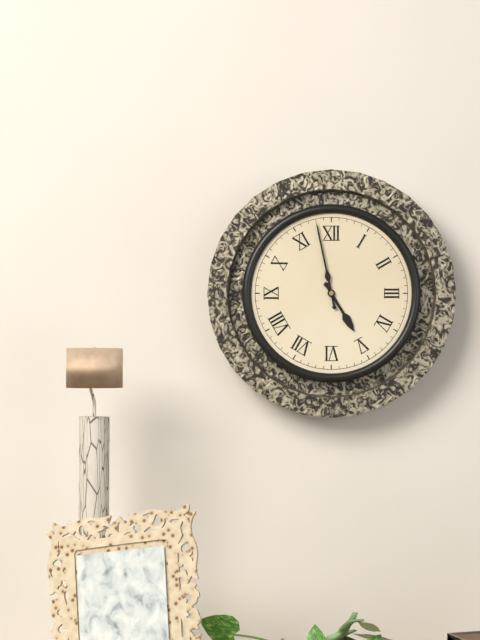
4:58
